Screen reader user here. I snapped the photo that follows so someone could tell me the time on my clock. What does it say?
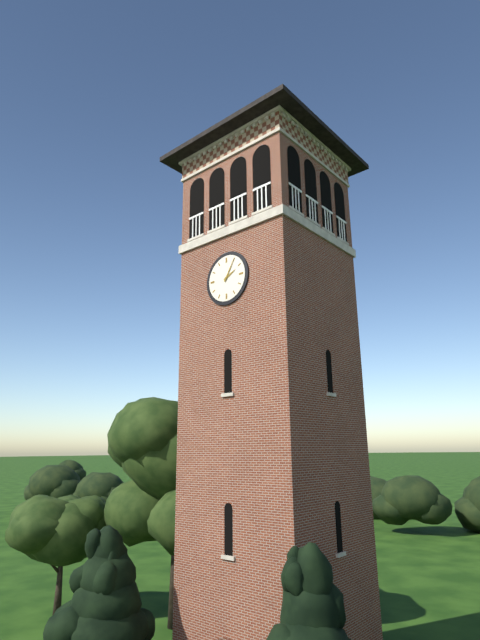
2:05
